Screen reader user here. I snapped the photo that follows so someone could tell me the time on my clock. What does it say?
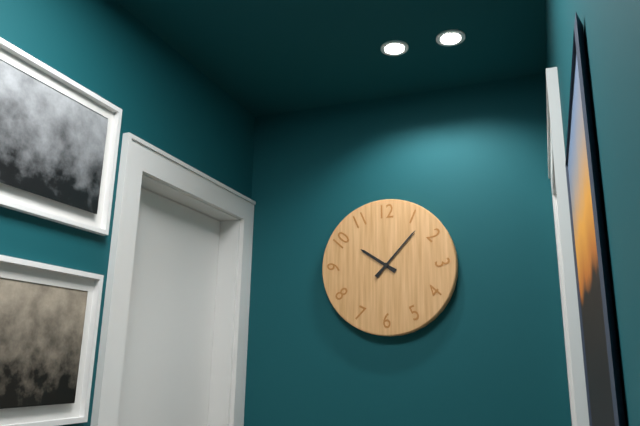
10:07
